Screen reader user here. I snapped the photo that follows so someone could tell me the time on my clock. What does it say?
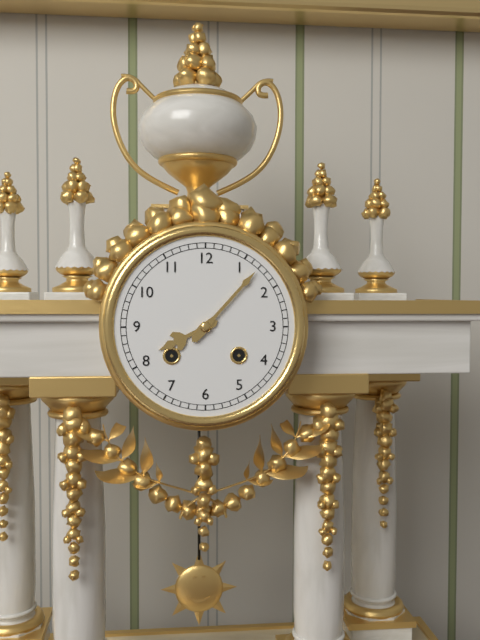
8:07
